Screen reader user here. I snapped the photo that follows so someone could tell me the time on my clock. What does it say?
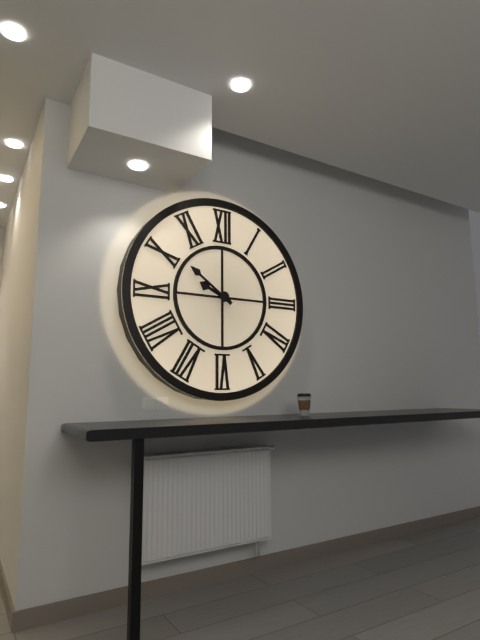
9:51
